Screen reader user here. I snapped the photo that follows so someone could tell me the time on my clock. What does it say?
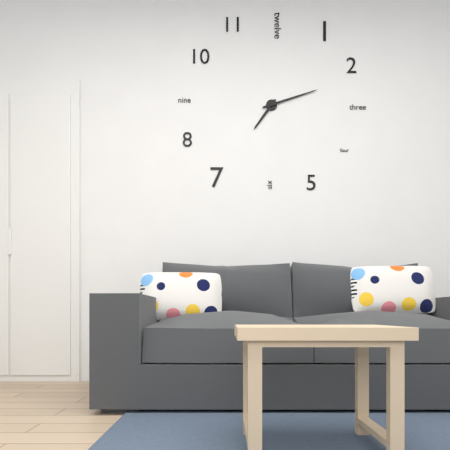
7:12
